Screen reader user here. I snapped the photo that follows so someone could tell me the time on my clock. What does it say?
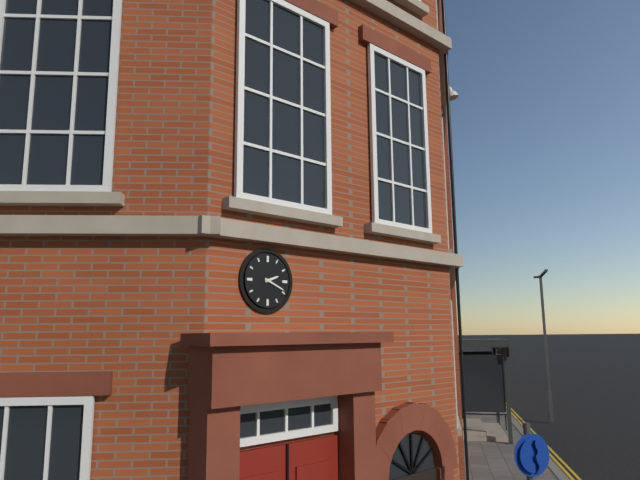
2:19
